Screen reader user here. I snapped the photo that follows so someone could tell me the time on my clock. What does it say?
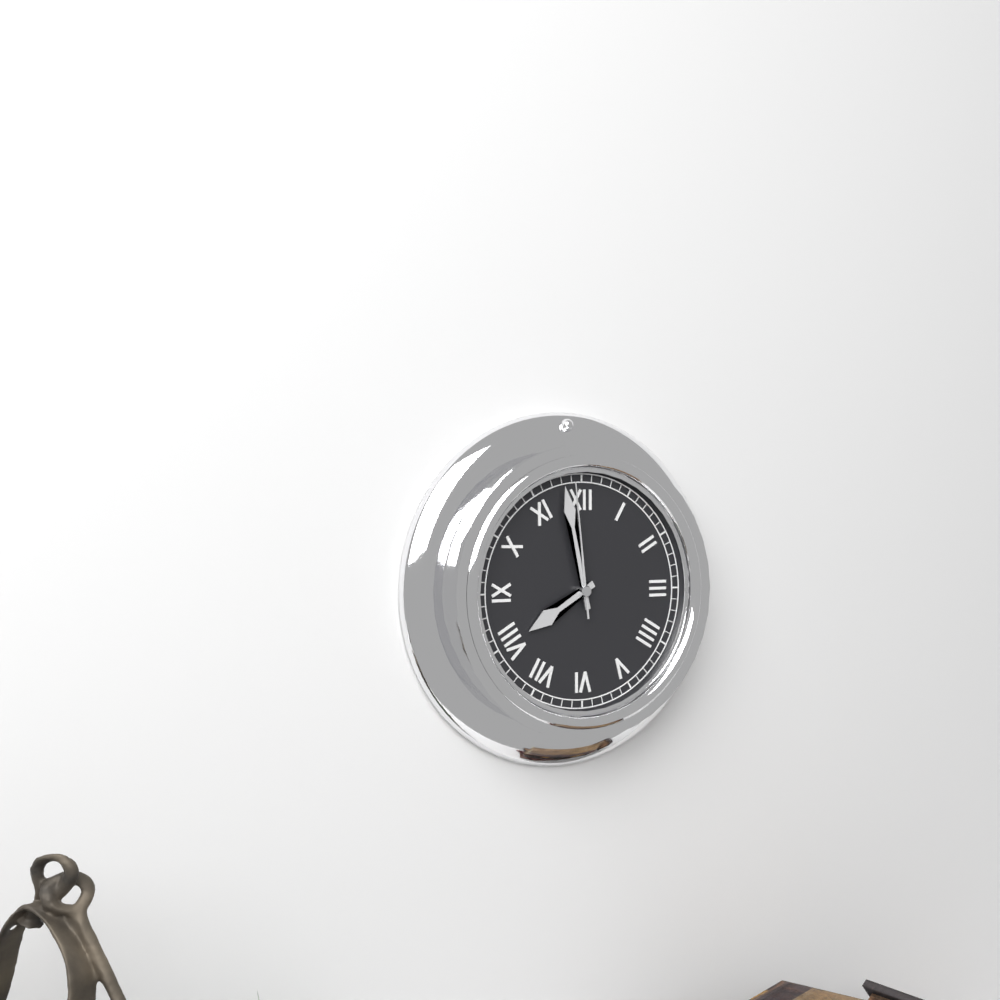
7:58:59
